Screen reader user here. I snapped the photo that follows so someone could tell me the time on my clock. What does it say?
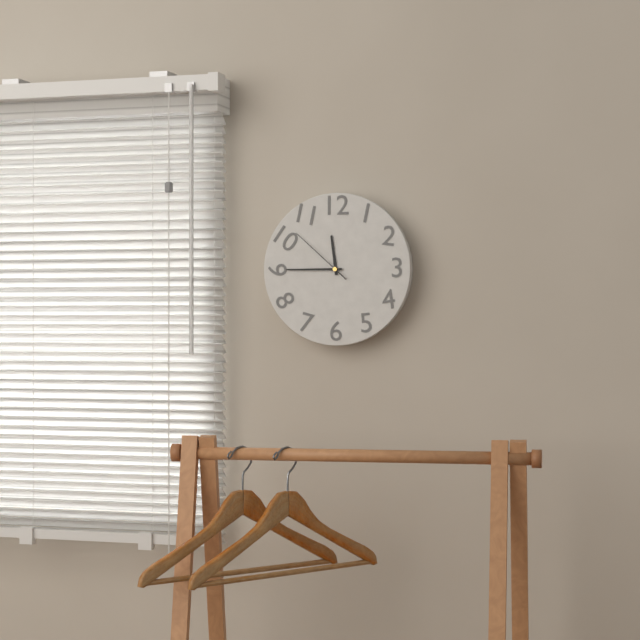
11:45:52
